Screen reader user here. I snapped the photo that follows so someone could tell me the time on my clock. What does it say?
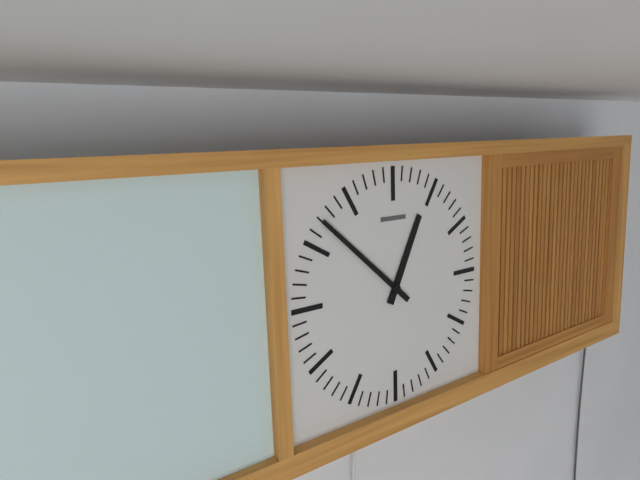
12:52
